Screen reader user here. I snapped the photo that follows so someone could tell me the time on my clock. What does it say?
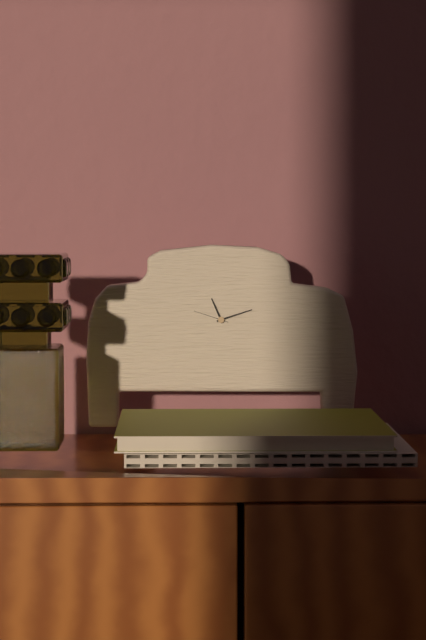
11:12
